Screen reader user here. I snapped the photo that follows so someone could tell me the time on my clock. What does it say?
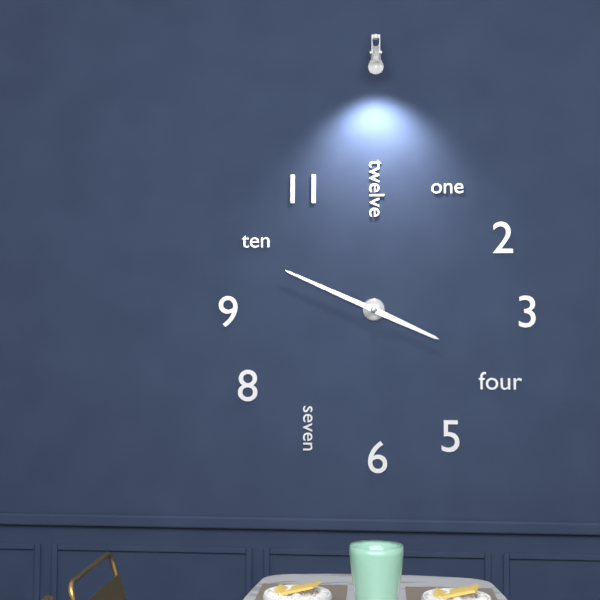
3:49
